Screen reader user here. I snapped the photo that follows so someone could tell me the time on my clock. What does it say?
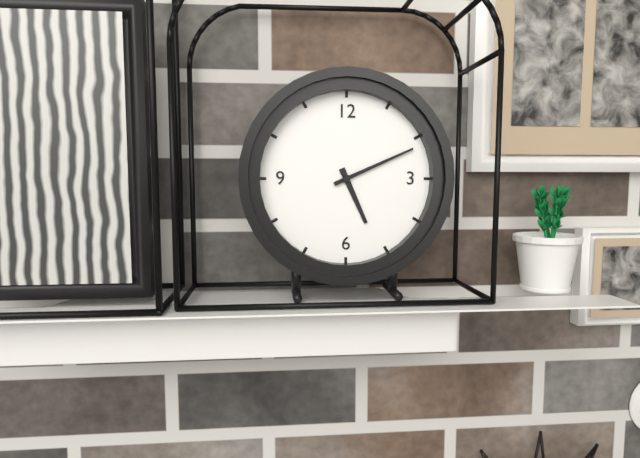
5:11
